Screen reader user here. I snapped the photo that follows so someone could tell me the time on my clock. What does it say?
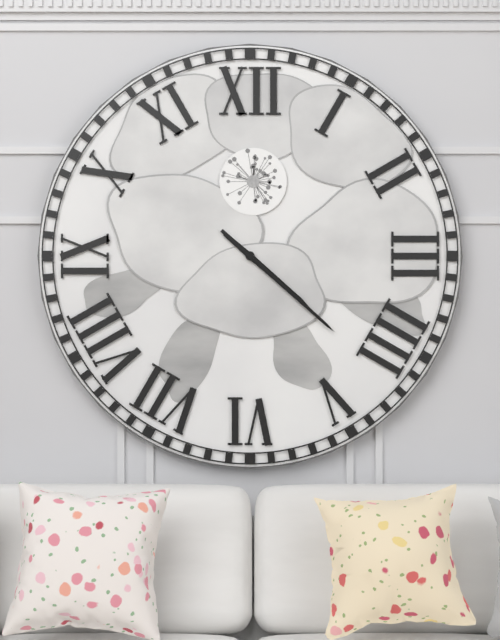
4:22
